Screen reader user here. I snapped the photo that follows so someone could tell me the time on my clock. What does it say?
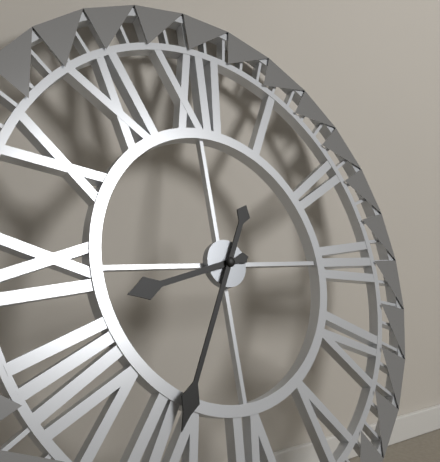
8:35
